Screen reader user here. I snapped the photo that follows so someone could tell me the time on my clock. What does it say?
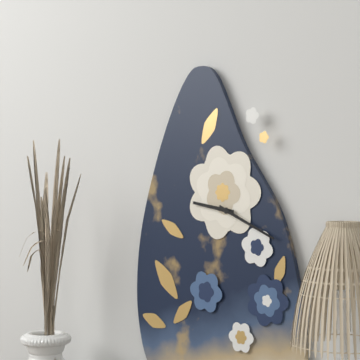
9:19
